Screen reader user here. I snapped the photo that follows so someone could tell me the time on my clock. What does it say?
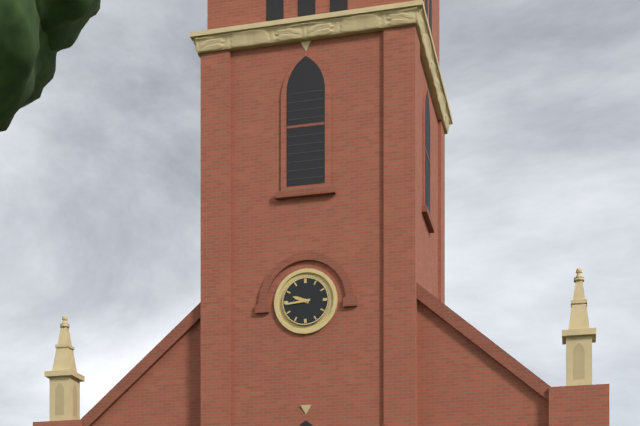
9:44
